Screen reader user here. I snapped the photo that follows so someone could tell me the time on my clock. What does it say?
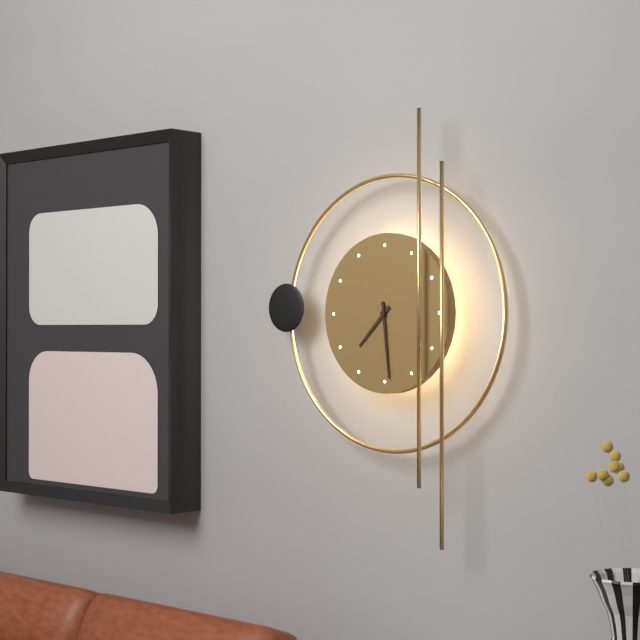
7:29
